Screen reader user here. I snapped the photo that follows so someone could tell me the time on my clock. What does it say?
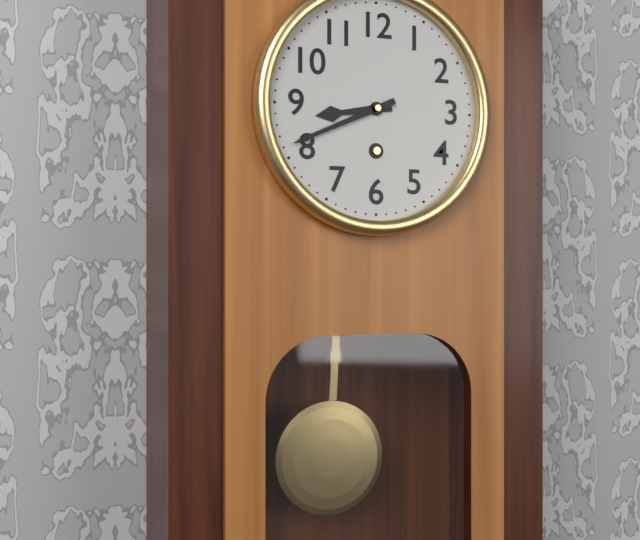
8:41
